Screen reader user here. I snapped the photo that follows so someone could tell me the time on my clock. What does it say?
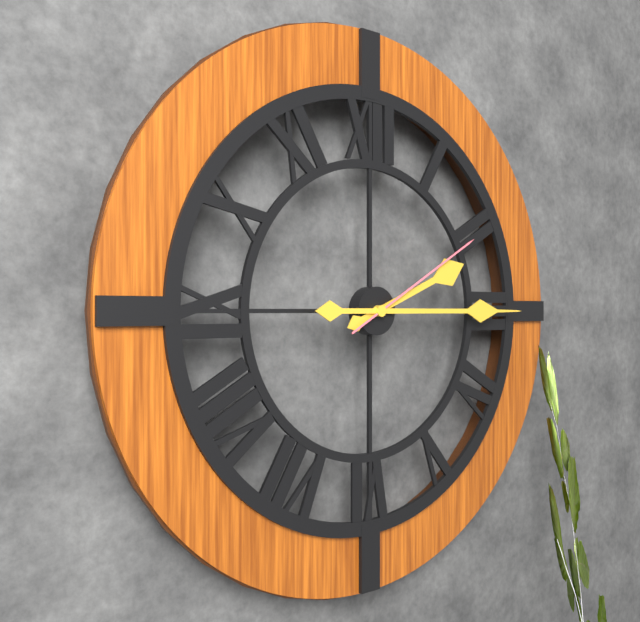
2:15:10
